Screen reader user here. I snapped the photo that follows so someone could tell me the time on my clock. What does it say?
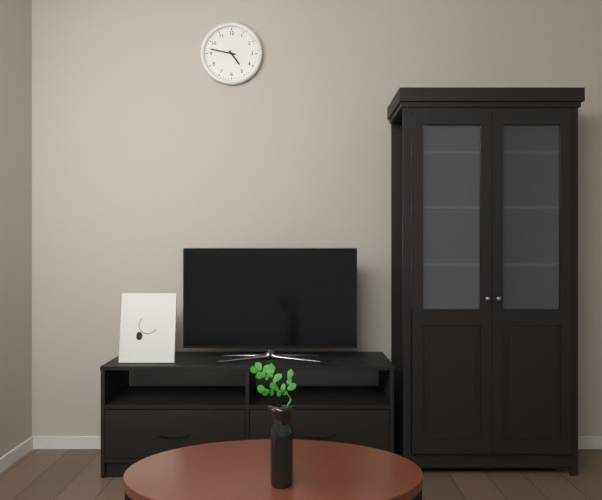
4:47
